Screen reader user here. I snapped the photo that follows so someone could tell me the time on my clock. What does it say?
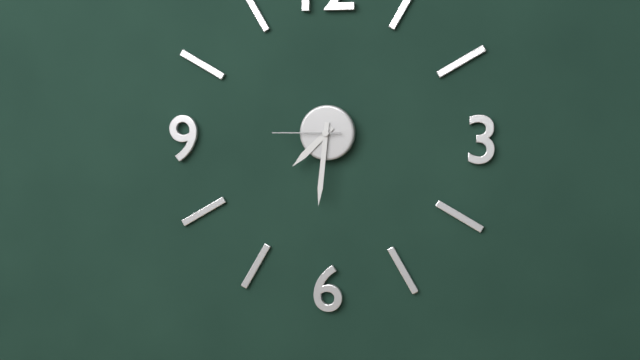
7:31:45
